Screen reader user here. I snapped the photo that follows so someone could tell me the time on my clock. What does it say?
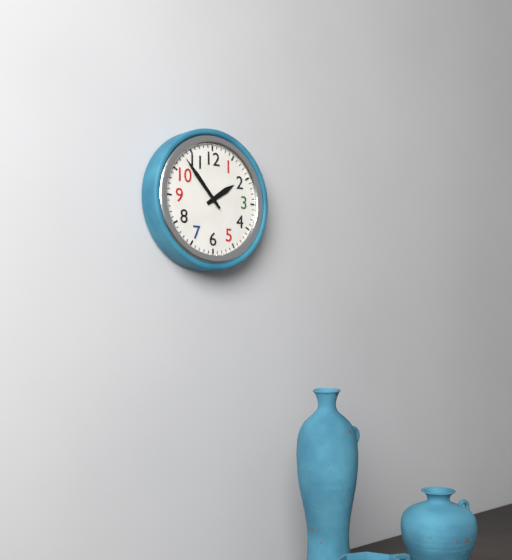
1:53
